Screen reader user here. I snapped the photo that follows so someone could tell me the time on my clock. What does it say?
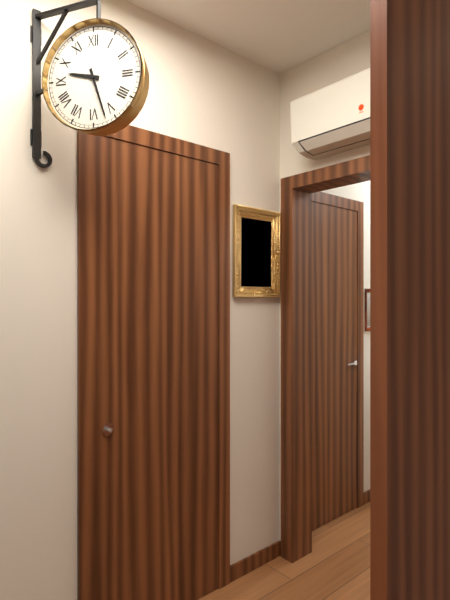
9:27
